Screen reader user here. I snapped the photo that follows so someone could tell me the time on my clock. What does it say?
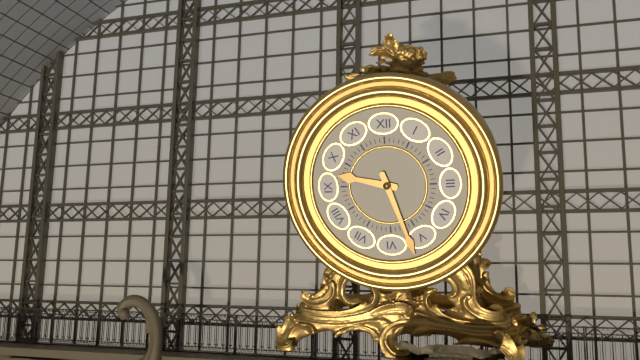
9:27
